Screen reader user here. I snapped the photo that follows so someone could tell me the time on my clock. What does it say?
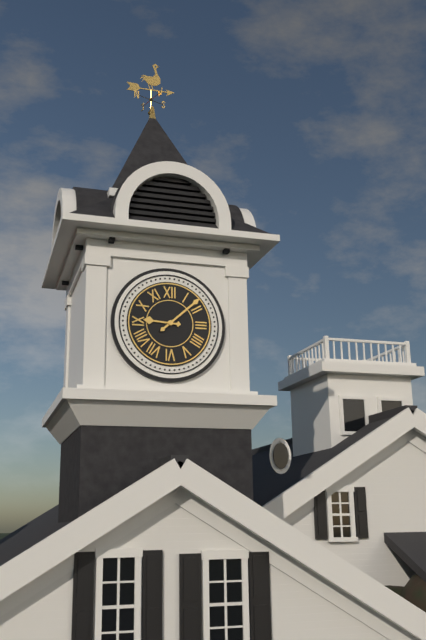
9:08
